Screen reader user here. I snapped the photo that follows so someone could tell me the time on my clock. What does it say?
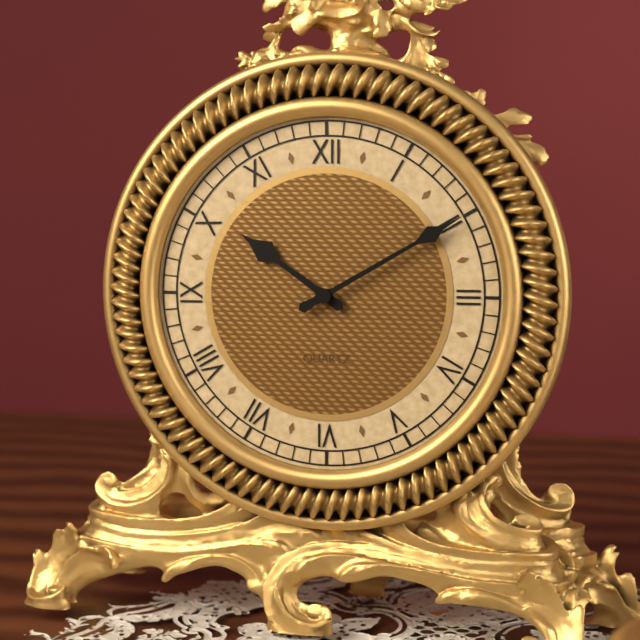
10:10
